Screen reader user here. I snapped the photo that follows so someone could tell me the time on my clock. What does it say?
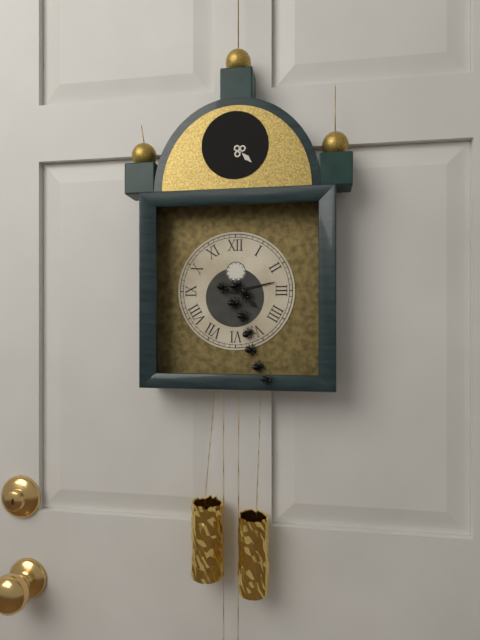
4:13
